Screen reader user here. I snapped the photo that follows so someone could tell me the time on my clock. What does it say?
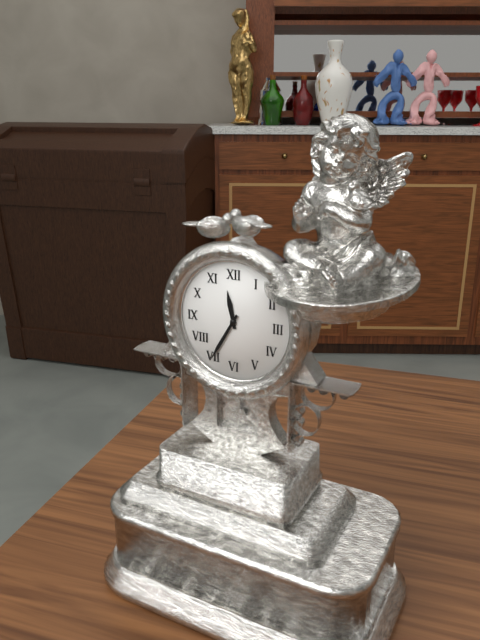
11:35
